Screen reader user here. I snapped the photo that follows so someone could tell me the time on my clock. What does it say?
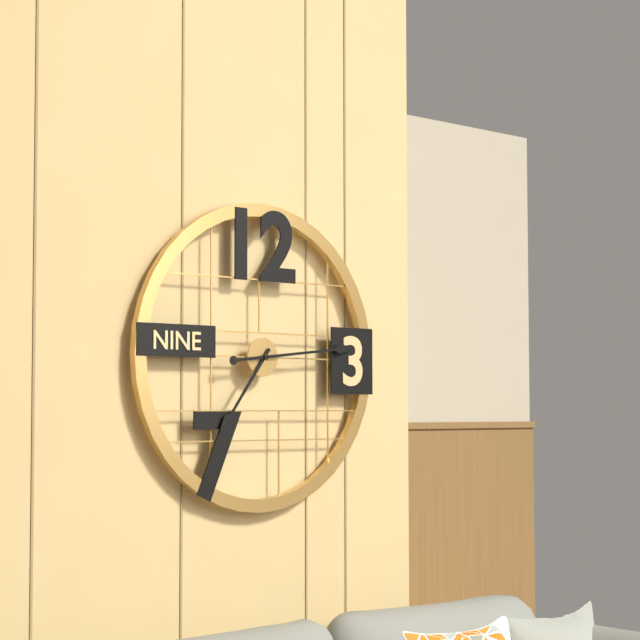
7:14
